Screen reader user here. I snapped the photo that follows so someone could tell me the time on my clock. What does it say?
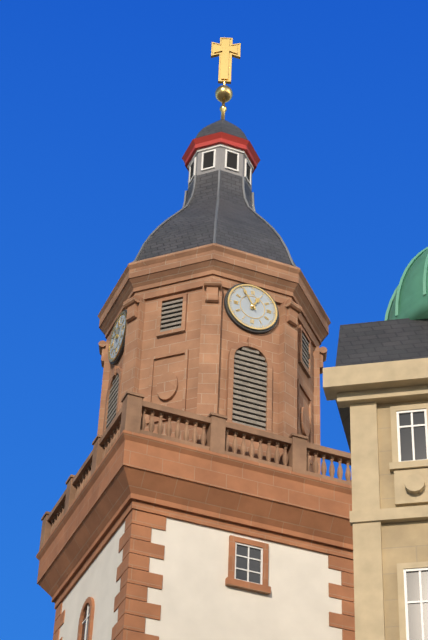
12:55
